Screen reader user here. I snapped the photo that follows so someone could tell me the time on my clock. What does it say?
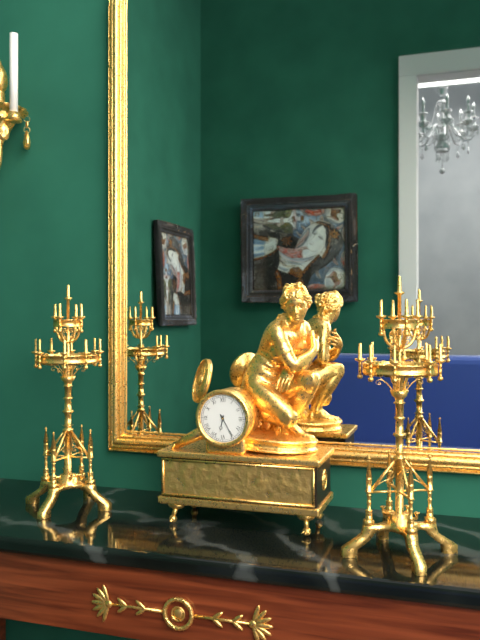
6:25
